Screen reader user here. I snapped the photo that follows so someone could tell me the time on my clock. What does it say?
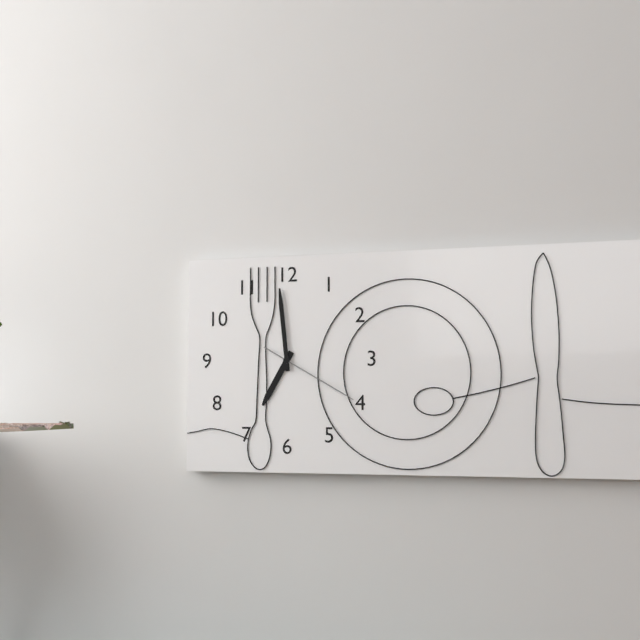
6:59:20
